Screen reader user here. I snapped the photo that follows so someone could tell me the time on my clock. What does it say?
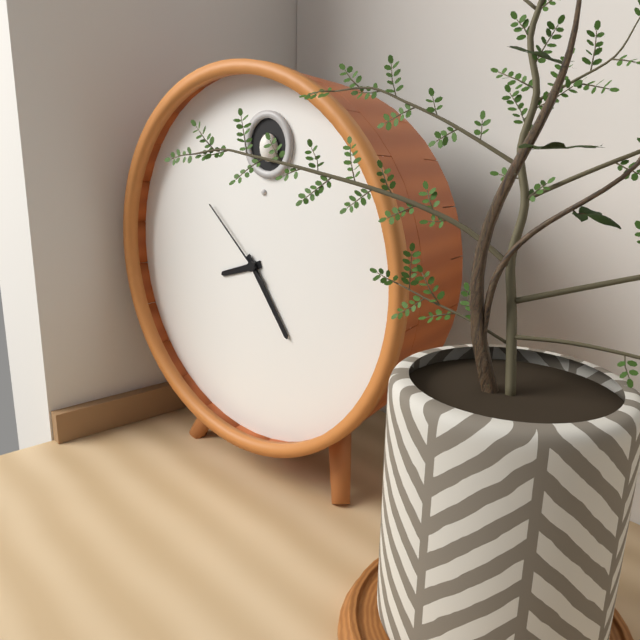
8:24:52
